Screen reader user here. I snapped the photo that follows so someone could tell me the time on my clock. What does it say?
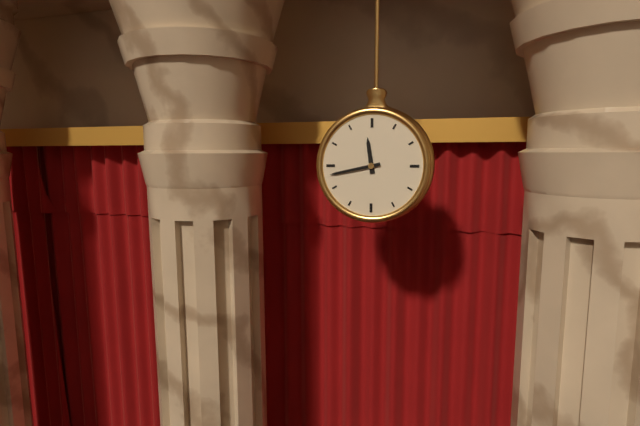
11:43
